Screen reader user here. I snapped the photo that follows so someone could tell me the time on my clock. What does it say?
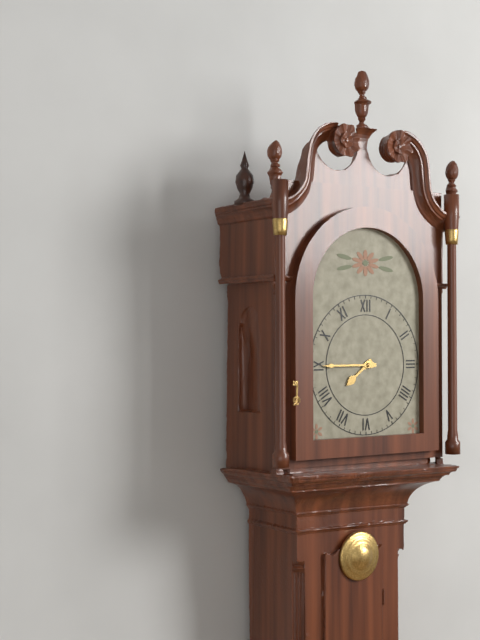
7:45
